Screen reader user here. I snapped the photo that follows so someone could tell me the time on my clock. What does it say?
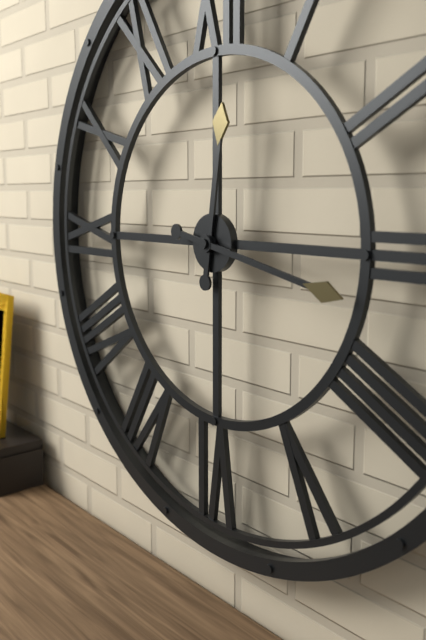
12:17
